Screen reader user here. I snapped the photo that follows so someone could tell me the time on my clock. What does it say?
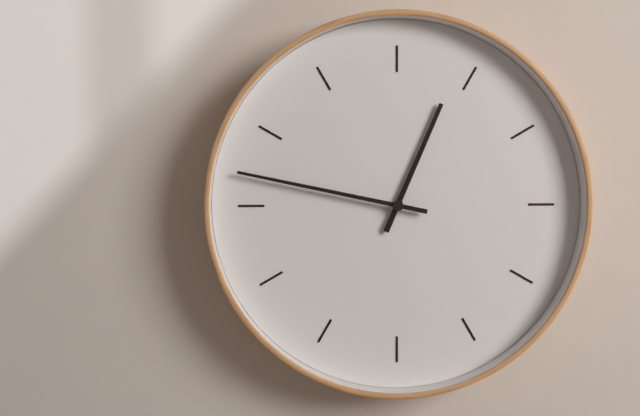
12:47
